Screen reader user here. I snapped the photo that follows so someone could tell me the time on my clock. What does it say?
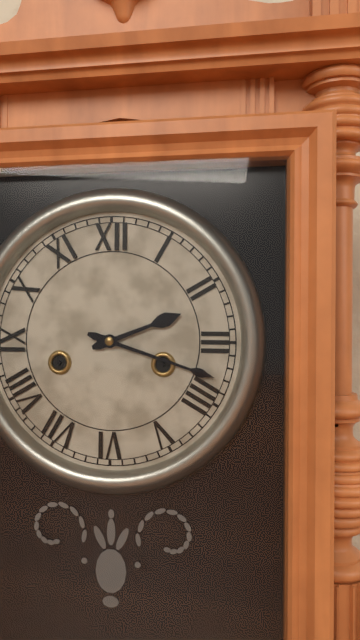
2:18
